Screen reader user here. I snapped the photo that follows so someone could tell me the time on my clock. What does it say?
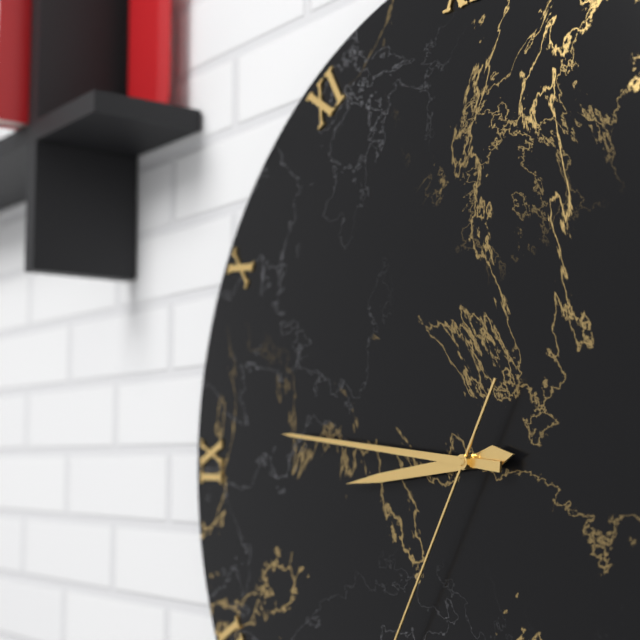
8:46
